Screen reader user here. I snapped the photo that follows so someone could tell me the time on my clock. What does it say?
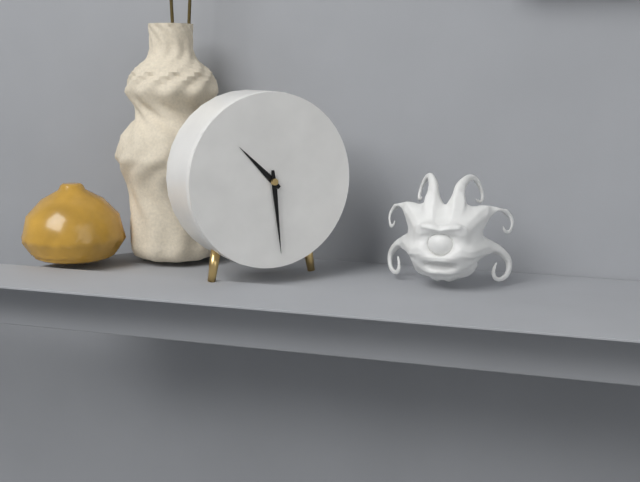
10:29
